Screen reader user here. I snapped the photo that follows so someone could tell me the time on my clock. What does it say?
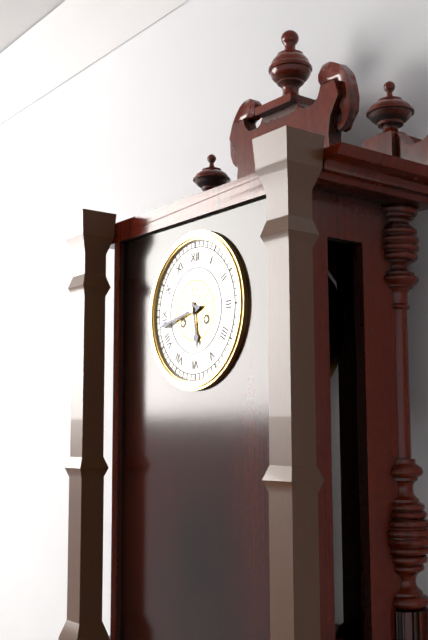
5:43
